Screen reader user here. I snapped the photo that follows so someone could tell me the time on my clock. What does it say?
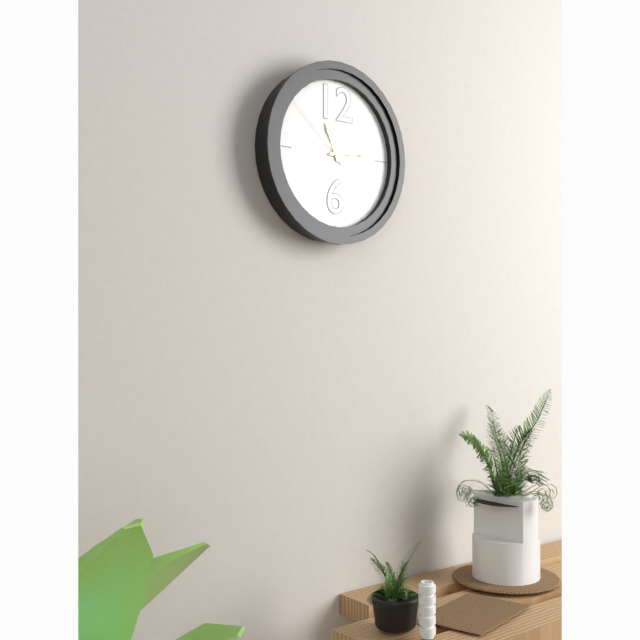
11:14:52
